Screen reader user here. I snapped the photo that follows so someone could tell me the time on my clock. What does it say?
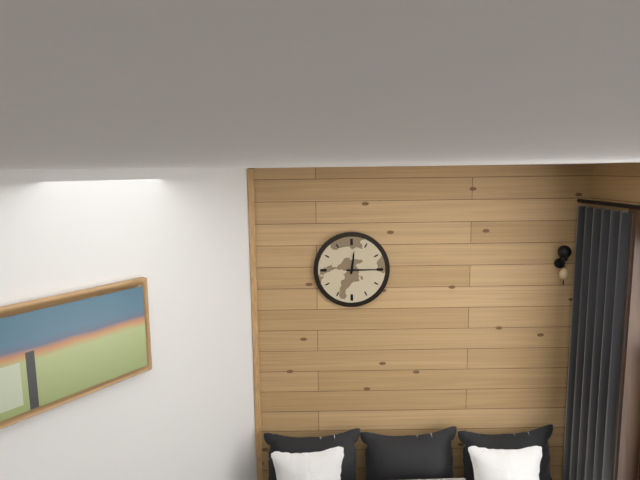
12:15
